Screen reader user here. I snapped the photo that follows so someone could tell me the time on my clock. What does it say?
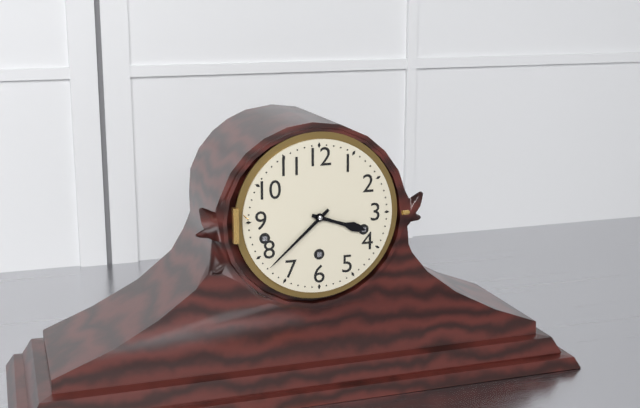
3:38
